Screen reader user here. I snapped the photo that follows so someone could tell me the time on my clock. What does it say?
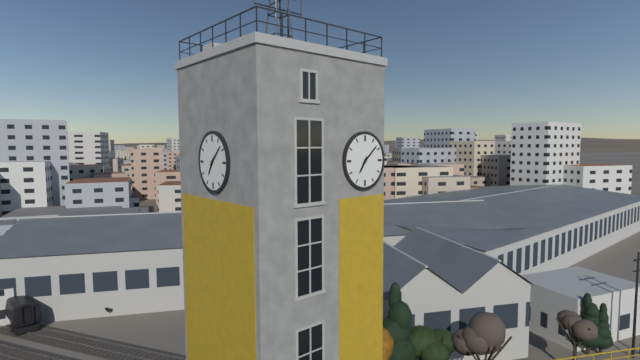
7:08
